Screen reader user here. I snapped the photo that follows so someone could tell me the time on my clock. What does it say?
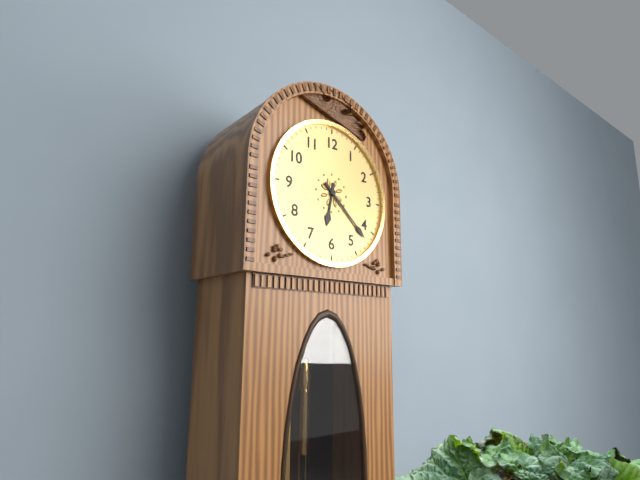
6:22
